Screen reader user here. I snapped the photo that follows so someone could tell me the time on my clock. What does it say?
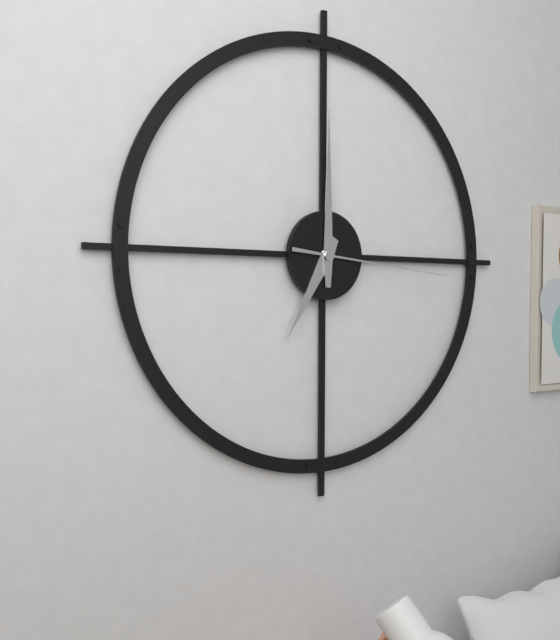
7:00:16
